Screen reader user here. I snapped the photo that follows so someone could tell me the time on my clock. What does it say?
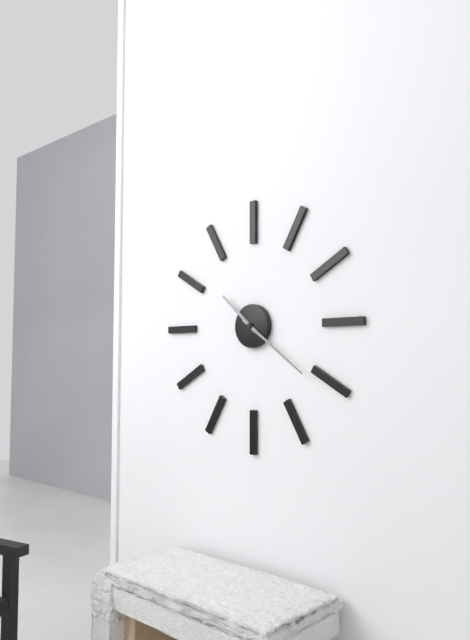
10:21
